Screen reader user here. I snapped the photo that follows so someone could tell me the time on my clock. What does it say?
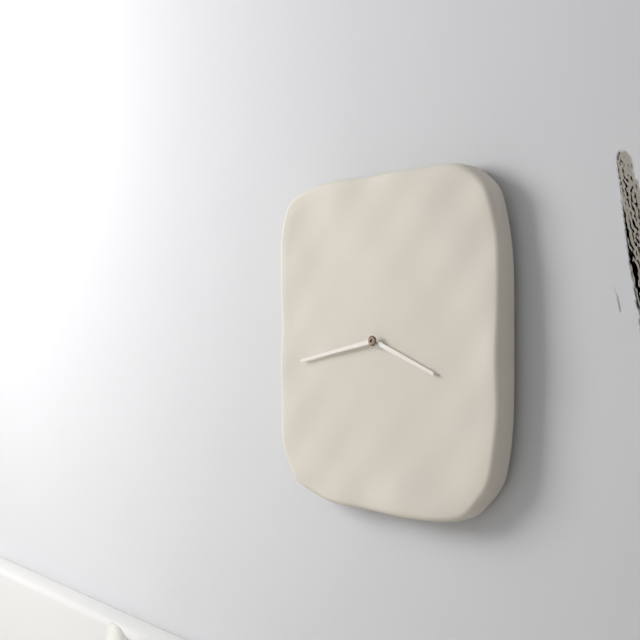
3:43
